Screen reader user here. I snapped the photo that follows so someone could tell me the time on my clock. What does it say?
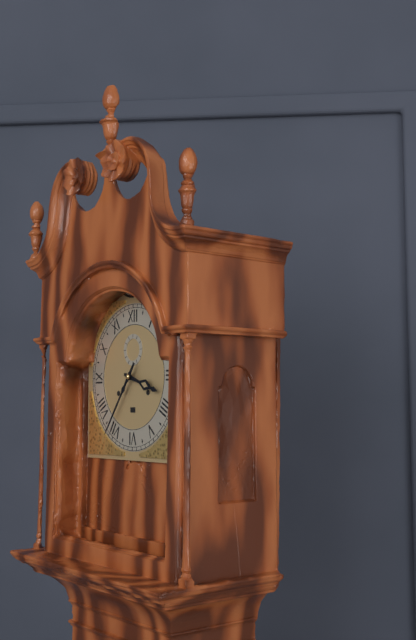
3:36
